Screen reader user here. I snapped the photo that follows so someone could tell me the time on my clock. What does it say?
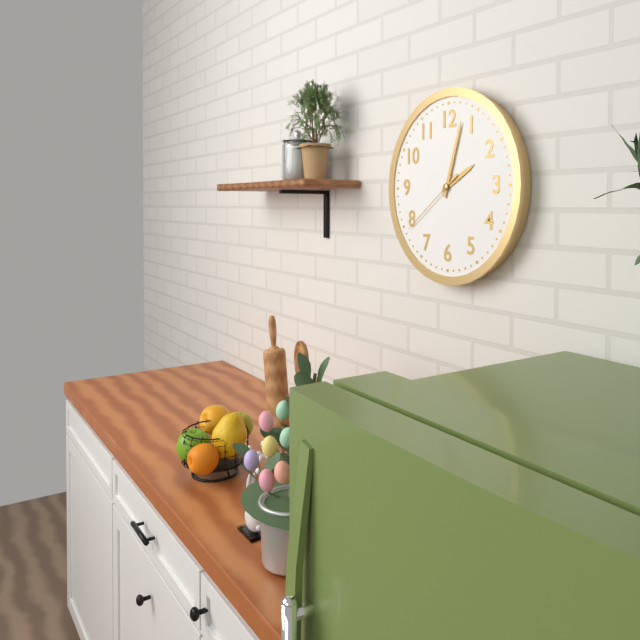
2:03:39
